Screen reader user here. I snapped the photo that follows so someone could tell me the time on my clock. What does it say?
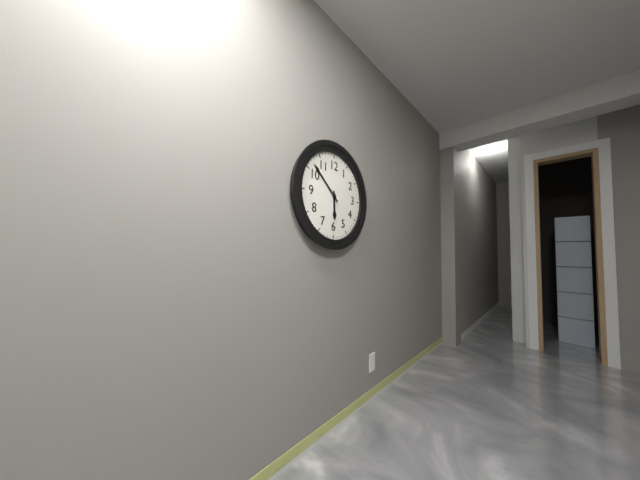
5:52
